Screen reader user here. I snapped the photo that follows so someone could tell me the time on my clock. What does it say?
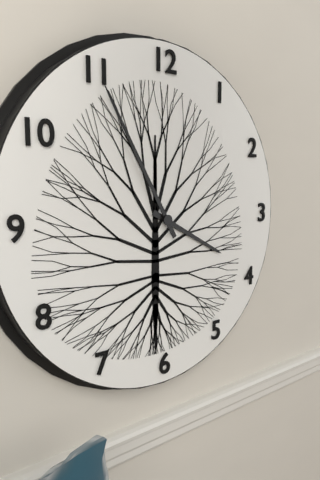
3:55
